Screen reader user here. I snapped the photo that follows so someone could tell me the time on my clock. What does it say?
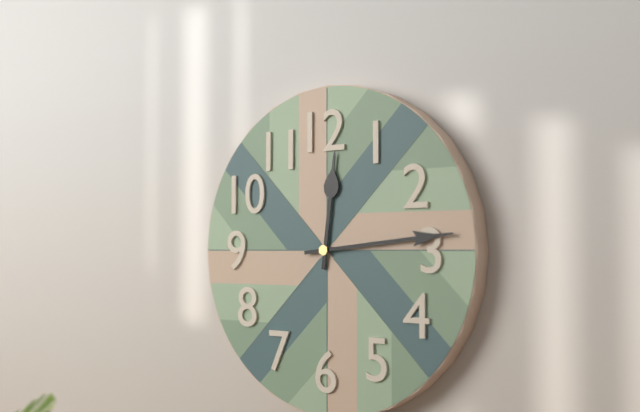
12:14
